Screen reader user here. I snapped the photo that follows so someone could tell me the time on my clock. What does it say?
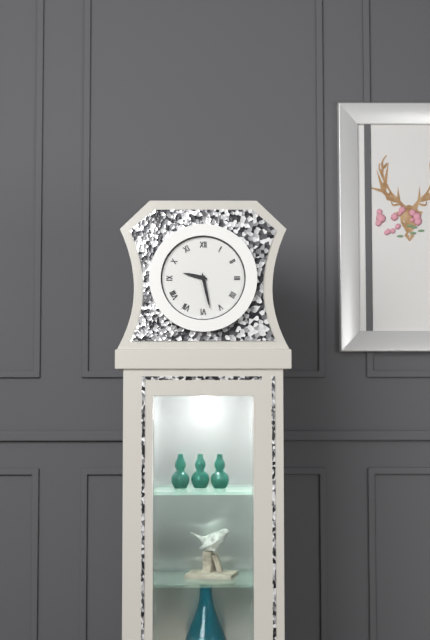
9:28
